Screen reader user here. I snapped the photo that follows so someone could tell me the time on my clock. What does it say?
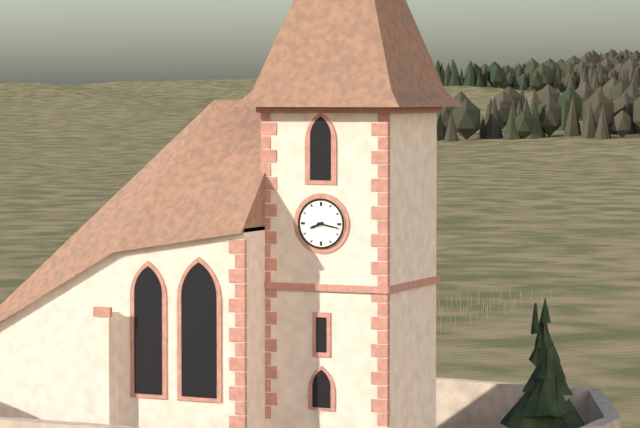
8:17
